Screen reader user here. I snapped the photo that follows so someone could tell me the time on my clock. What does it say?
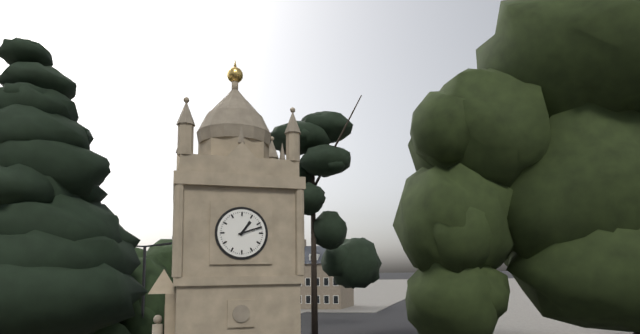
1:12
